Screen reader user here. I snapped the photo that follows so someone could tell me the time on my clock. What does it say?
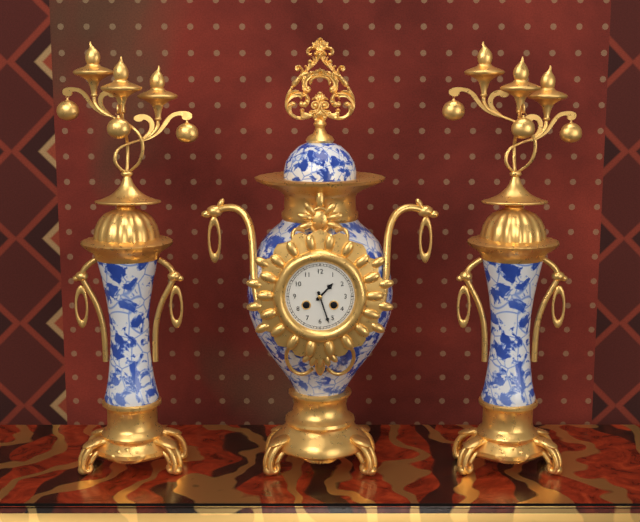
1:27
